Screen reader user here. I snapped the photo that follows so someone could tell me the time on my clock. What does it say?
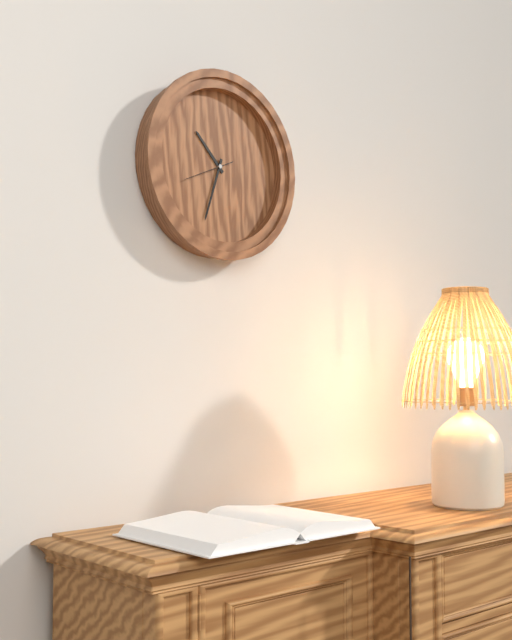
10:33
